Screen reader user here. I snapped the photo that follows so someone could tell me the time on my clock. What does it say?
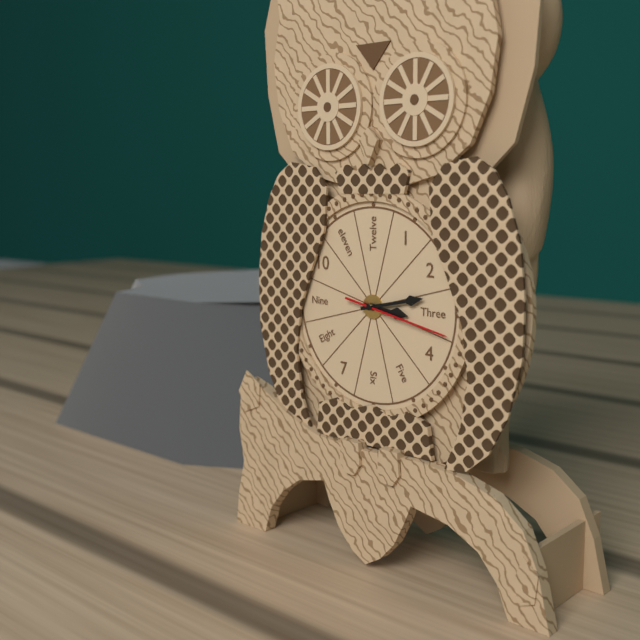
3:13:17
